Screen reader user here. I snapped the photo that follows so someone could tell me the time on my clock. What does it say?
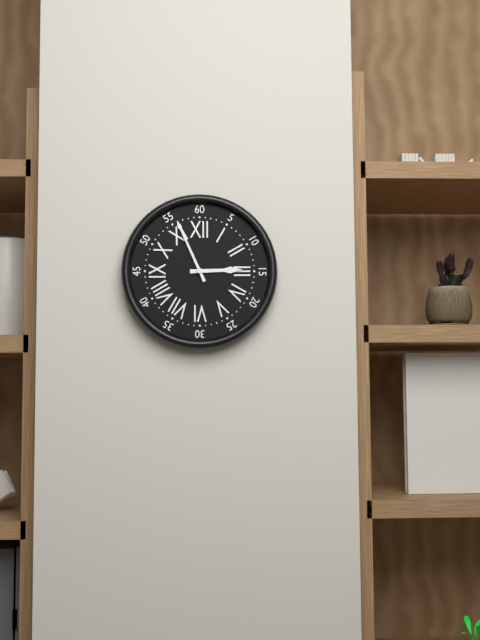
2:56
